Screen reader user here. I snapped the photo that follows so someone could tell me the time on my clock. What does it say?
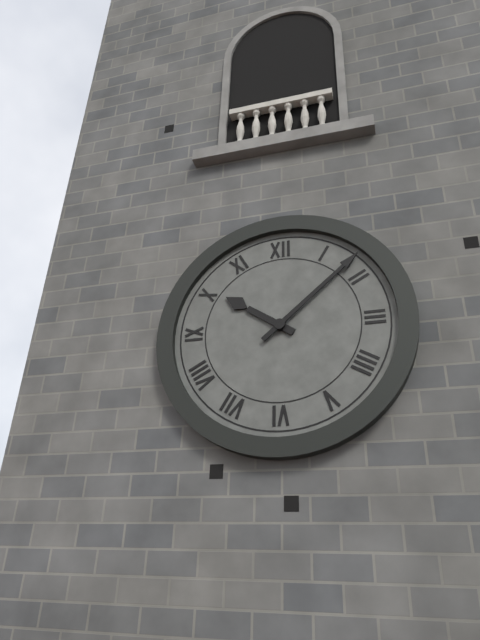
10:08
